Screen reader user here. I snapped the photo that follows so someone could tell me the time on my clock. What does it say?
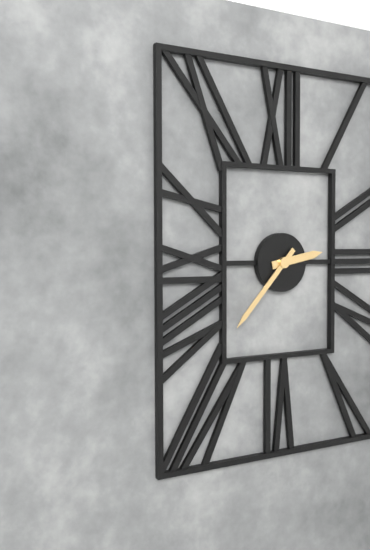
2:37
